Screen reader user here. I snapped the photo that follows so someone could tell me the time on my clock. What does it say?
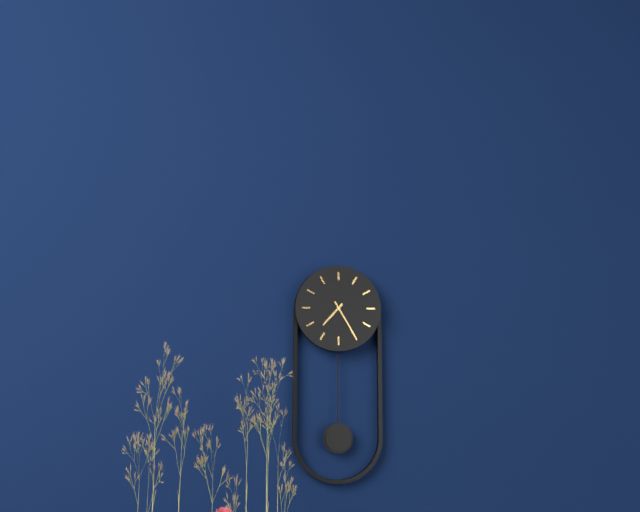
7:25
